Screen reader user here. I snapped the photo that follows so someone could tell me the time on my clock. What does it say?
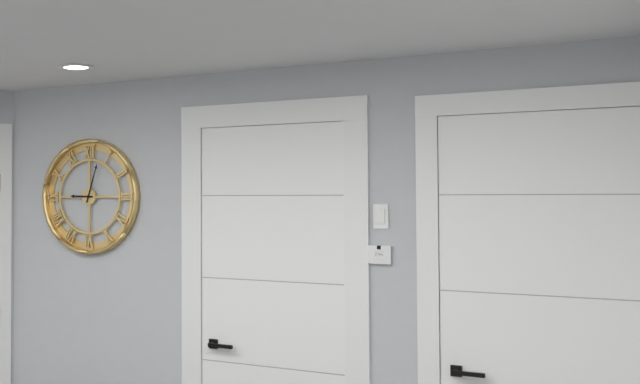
9:03
